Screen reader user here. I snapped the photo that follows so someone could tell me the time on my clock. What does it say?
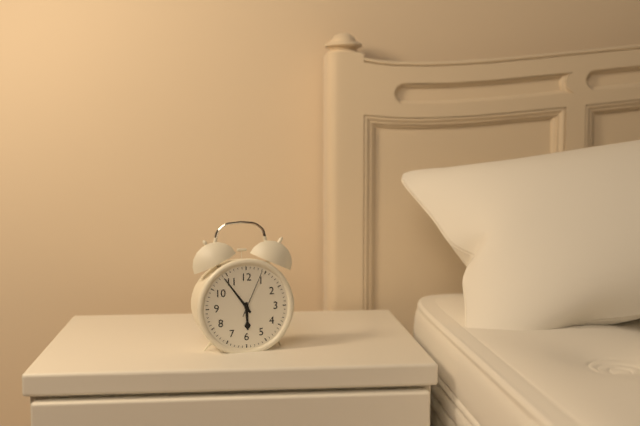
5:54
